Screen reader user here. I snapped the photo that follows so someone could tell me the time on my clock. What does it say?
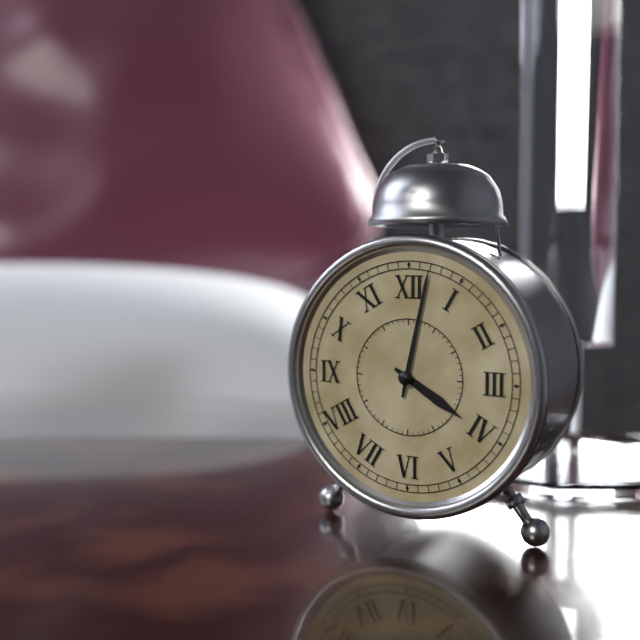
4:02
